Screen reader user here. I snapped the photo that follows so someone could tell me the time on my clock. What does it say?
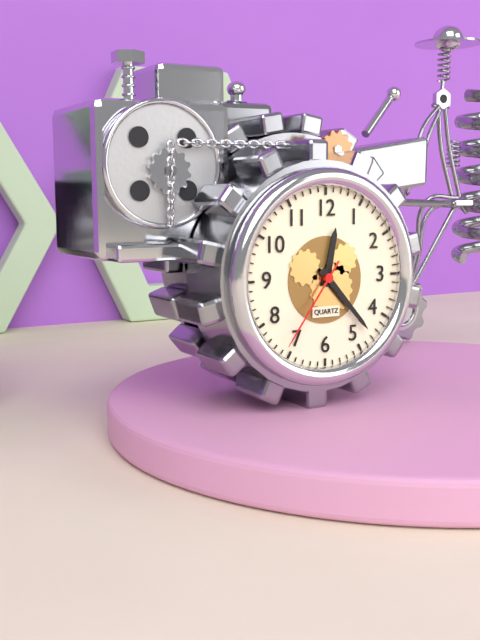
12:23:36
